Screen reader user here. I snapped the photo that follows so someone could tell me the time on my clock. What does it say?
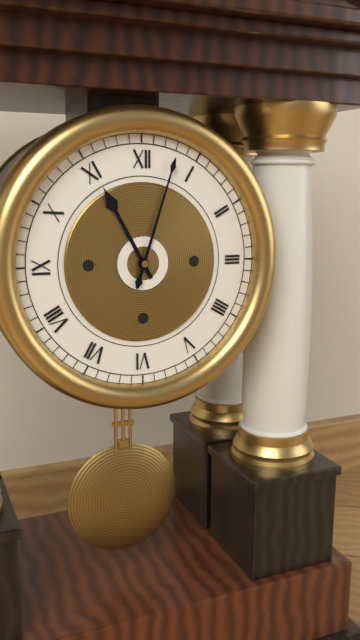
11:03
